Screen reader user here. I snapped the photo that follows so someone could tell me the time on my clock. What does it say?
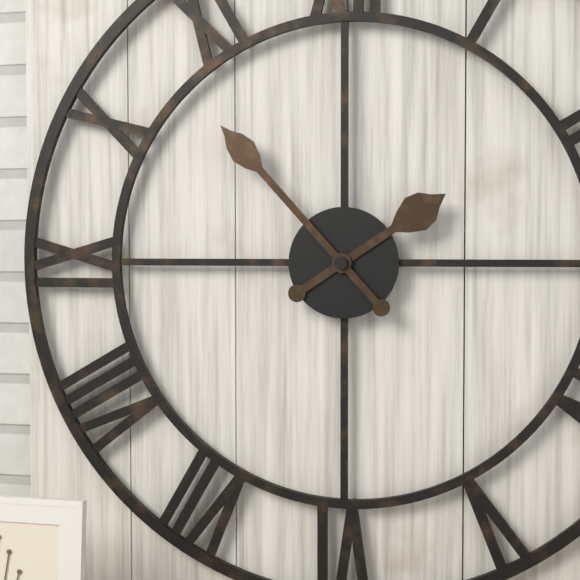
1:53
